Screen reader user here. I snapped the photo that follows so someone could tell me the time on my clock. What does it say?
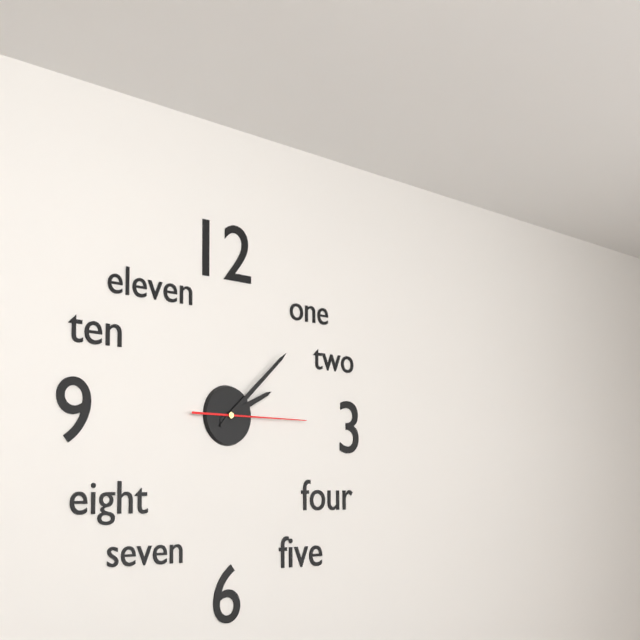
2:08:15
